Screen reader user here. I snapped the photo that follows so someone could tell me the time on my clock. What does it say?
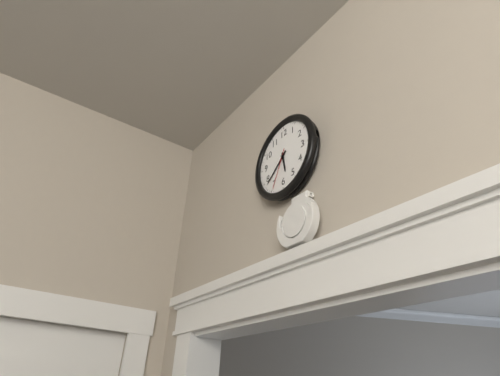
5:38
